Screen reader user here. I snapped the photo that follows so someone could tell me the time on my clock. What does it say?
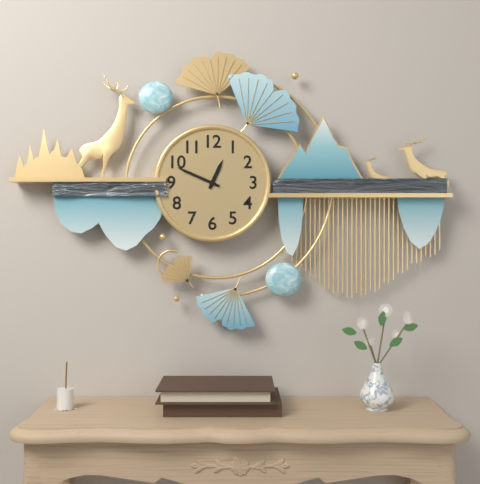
12:49
